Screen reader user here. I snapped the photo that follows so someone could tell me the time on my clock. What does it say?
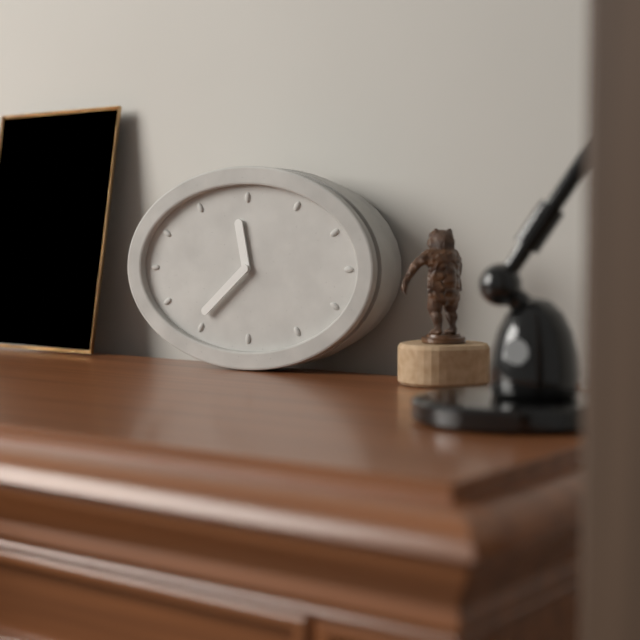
11:38
